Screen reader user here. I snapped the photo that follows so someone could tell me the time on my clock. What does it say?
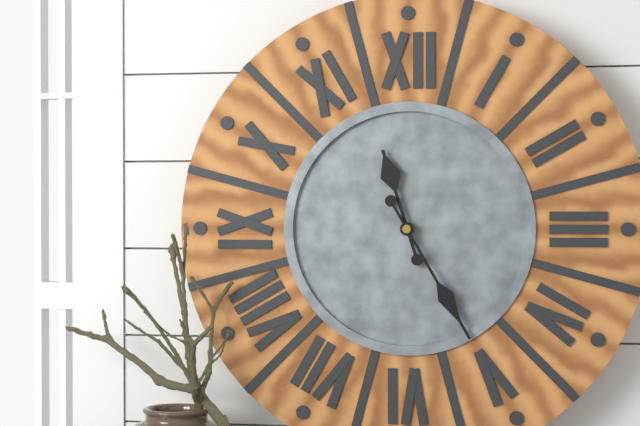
11:25
